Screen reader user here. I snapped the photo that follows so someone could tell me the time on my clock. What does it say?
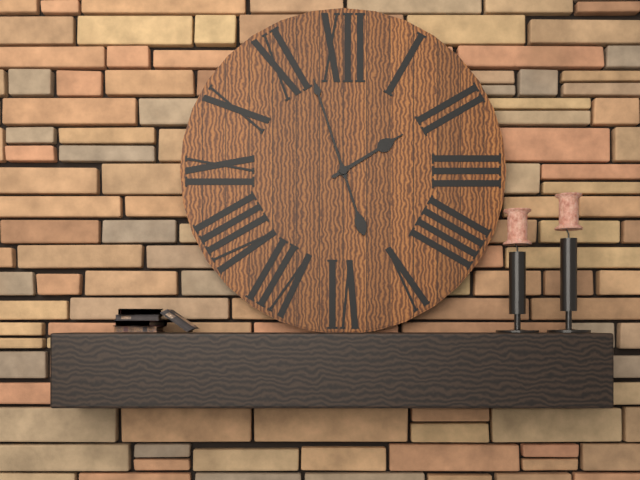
1:57
